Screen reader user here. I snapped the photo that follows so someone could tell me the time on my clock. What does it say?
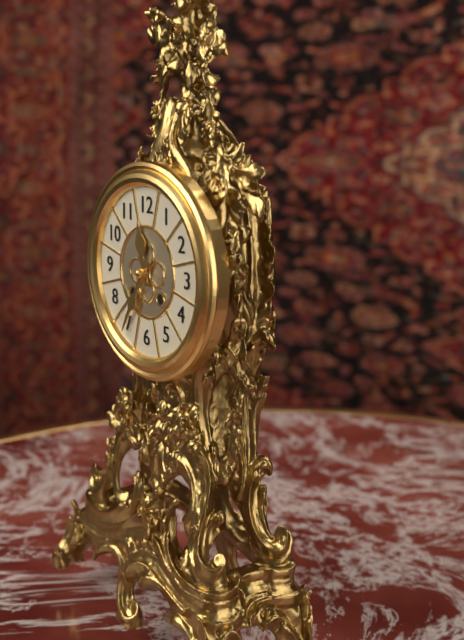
11:35
